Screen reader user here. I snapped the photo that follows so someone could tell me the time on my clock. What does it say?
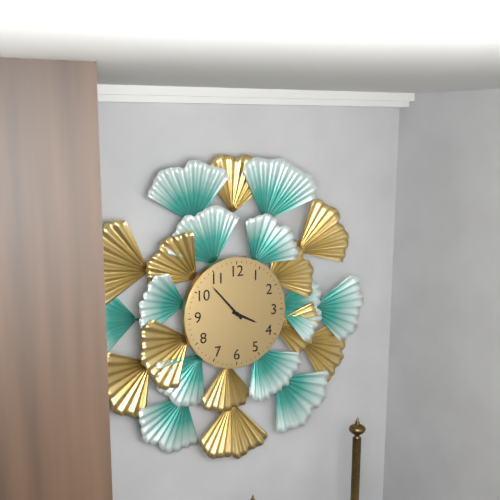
3:53
